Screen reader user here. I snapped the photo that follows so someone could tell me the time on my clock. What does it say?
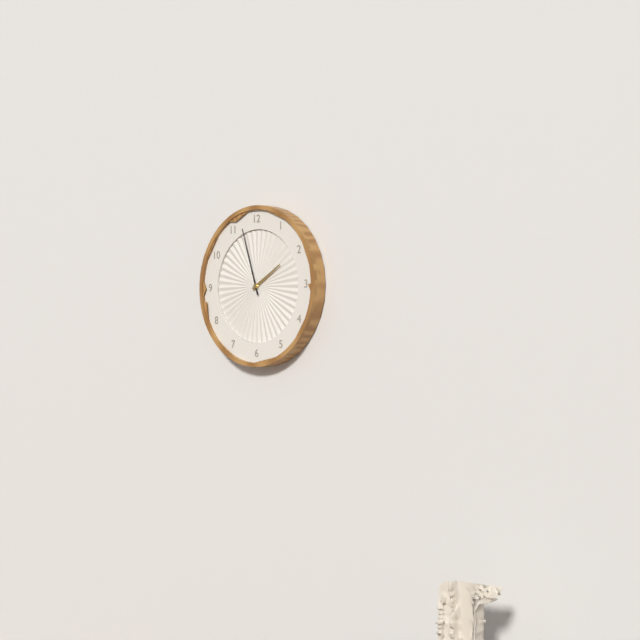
1:57
